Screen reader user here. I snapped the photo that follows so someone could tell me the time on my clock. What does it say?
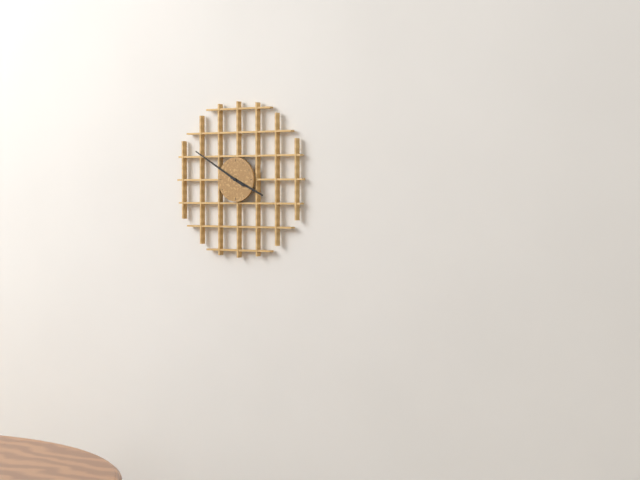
3:50
